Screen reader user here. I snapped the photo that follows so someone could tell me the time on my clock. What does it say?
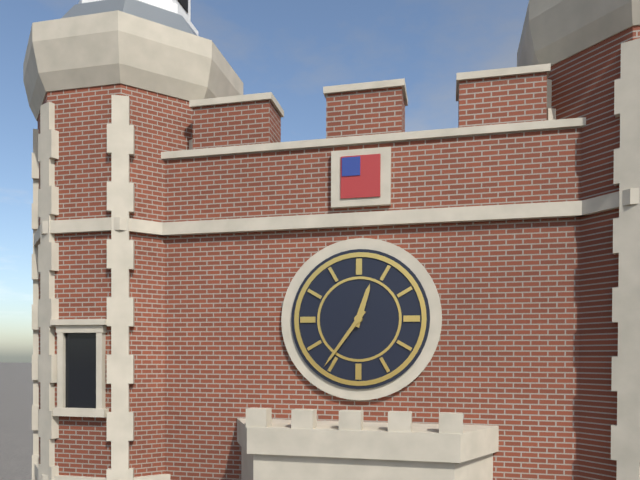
12:36
